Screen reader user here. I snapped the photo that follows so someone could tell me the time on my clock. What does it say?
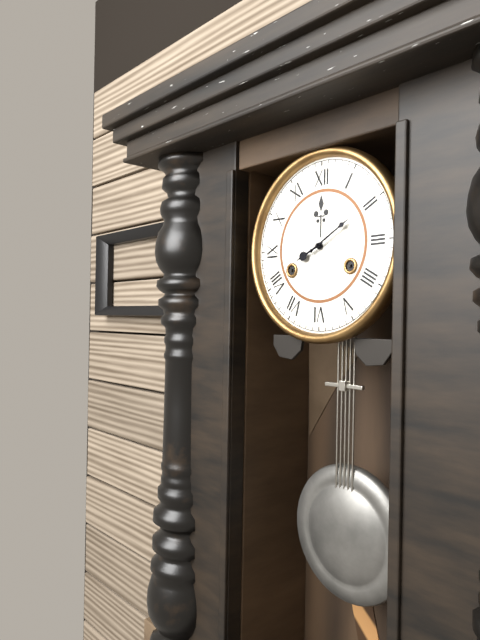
8:10
